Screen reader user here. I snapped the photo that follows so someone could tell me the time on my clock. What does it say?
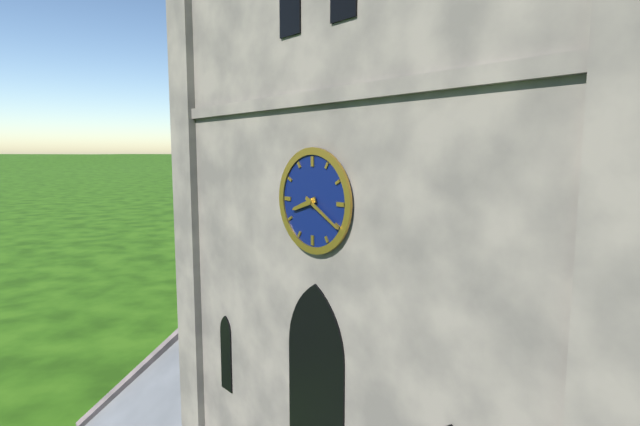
8:20
